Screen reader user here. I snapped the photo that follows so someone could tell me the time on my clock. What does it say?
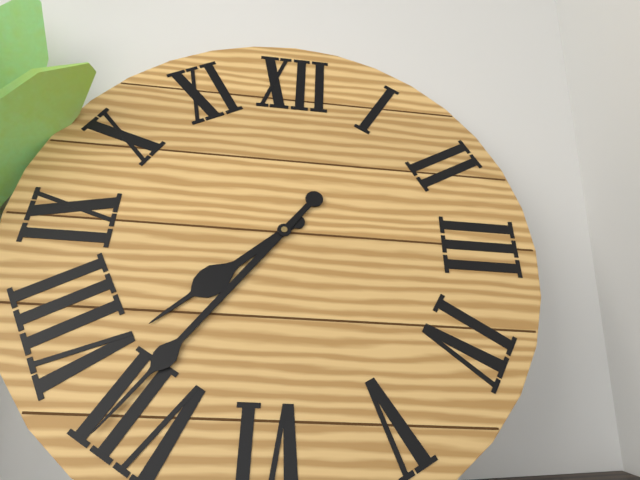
7:36
